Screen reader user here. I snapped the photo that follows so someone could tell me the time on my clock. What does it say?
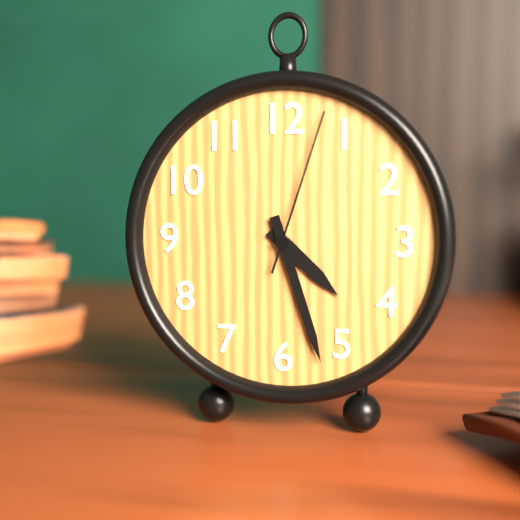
4:27:03
